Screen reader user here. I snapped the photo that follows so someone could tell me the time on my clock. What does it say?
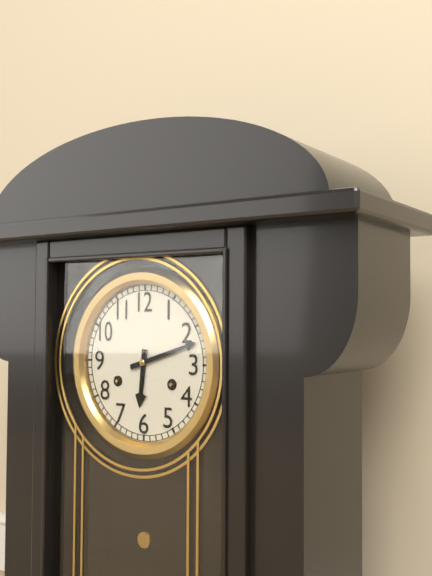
6:12
